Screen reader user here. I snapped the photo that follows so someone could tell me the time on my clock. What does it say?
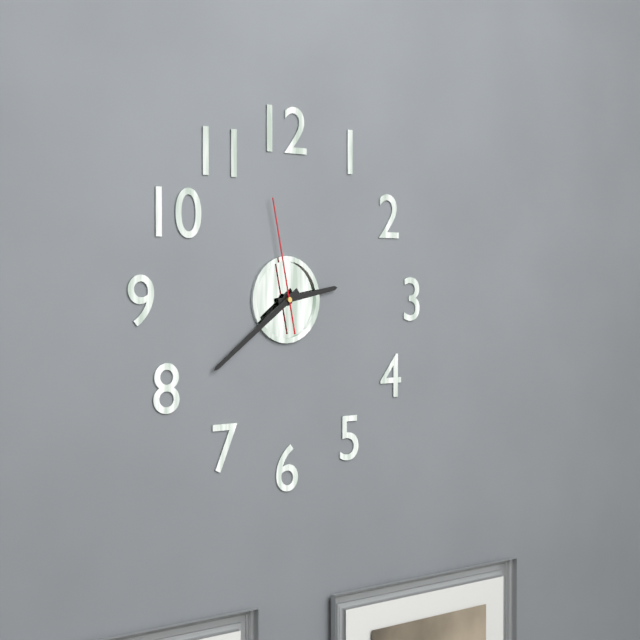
2:39:58
